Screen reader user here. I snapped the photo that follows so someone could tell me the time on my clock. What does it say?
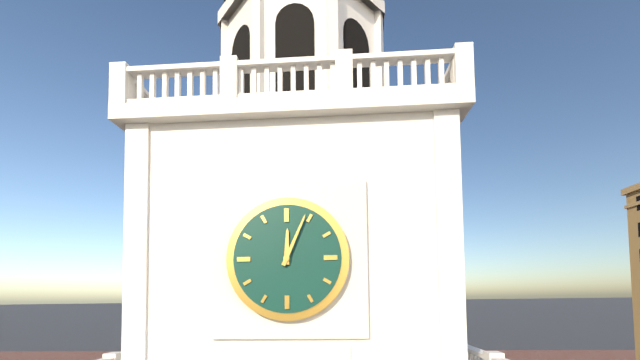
12:04
